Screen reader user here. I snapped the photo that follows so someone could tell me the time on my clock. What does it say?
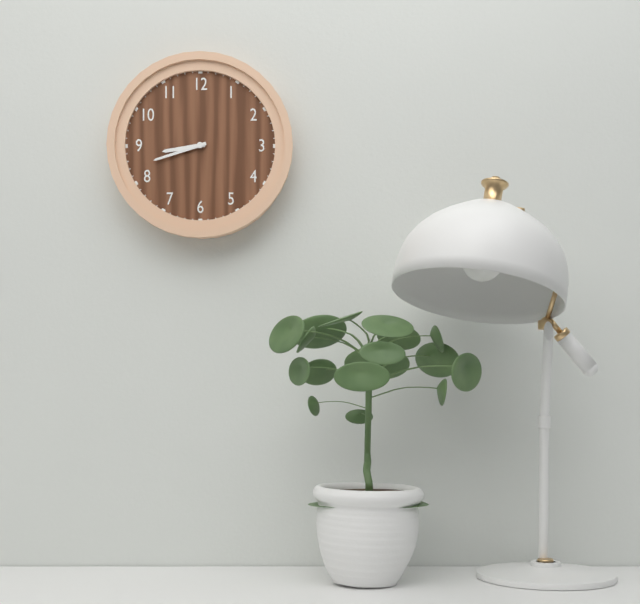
8:42
